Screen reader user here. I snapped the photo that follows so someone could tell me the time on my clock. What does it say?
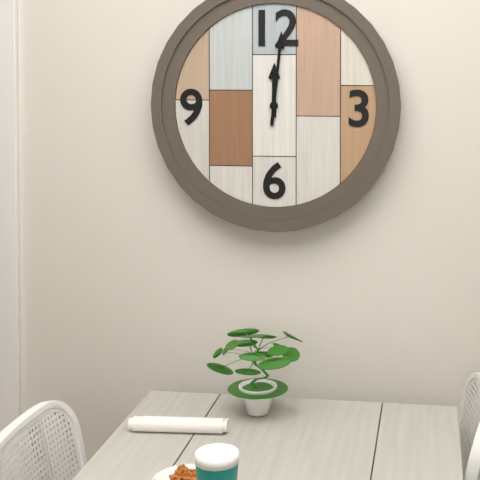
12:01
